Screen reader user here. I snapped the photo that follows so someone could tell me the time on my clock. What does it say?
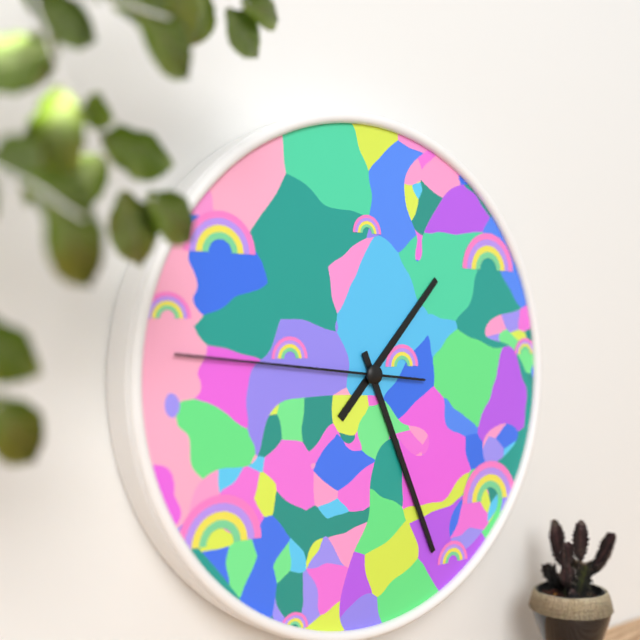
1:26:46
